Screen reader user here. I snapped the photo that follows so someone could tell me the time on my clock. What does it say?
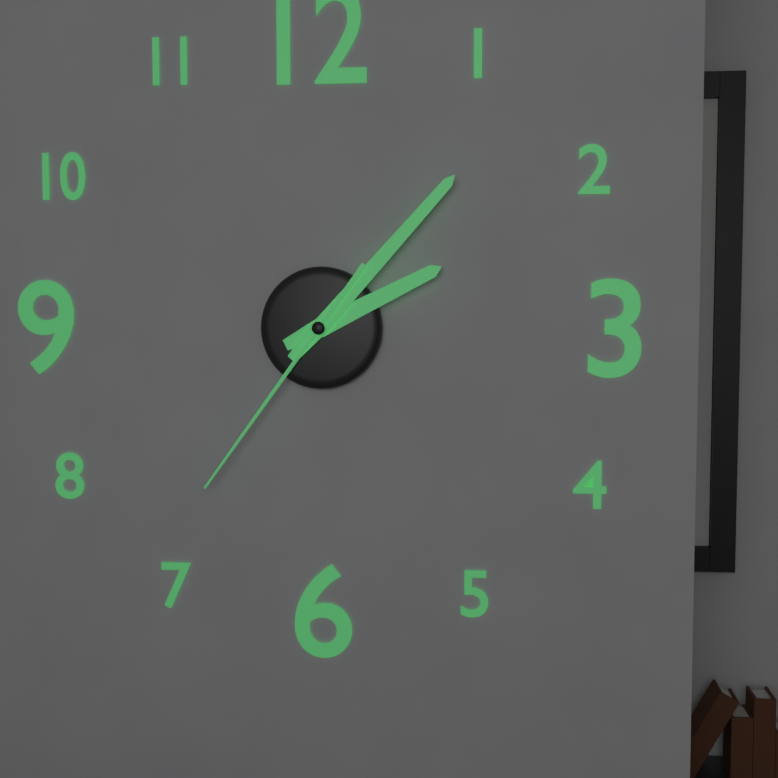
2:07:36
